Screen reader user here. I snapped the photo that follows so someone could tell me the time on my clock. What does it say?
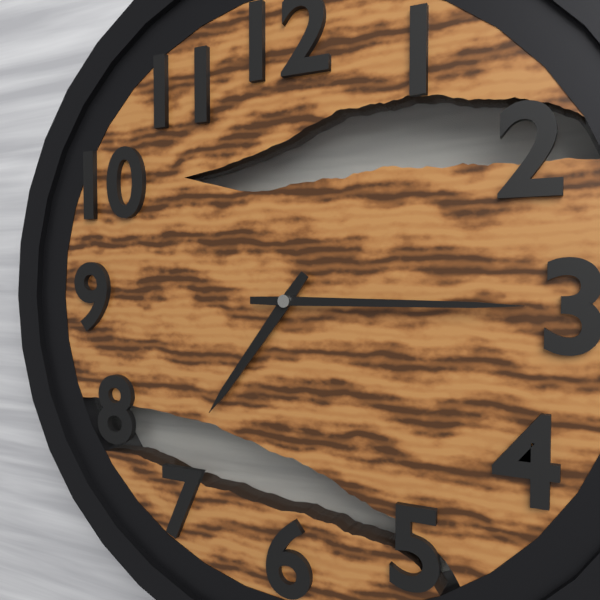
7:15
